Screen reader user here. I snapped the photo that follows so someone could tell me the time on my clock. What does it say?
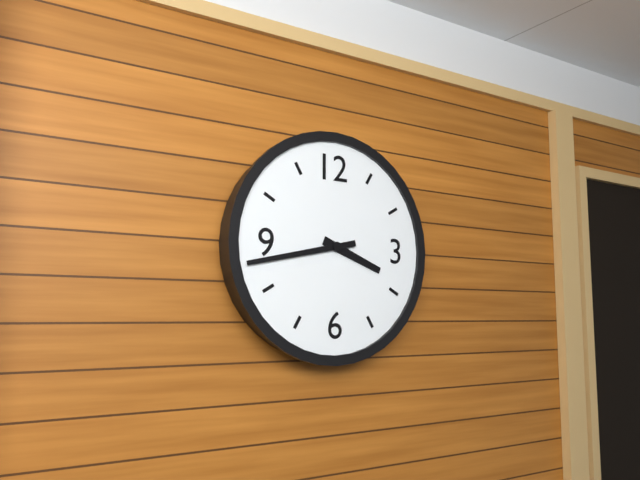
3:43
